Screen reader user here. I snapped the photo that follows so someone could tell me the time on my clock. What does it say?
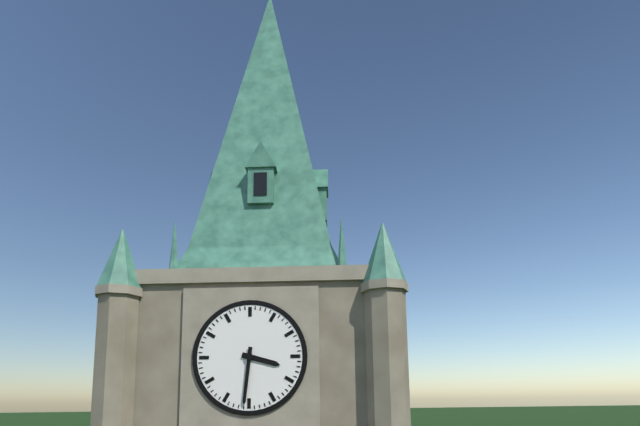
3:31
